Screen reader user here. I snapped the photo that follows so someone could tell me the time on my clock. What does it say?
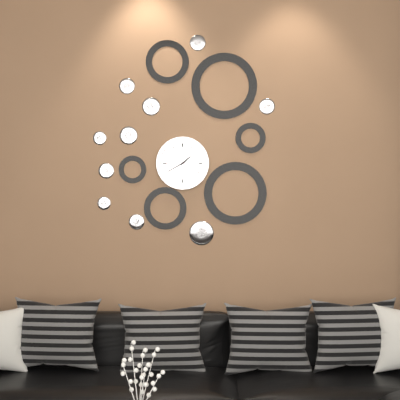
1:40
